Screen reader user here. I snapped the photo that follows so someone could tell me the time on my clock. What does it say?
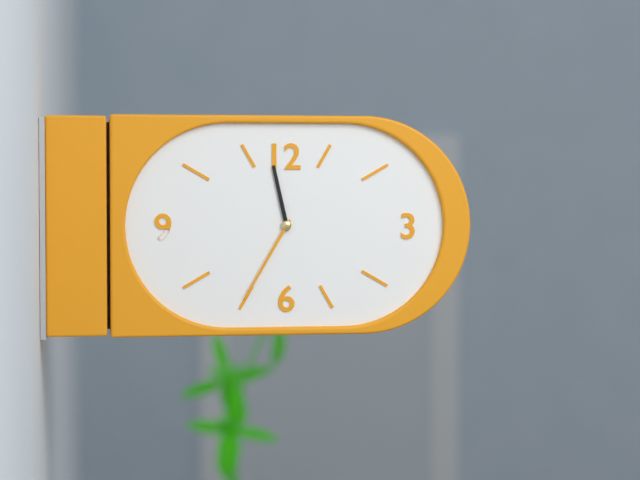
11:35
